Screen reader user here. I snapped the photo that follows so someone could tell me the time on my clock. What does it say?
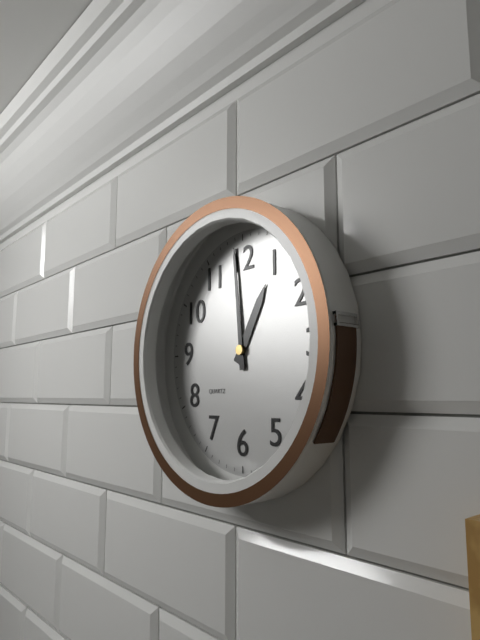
12:59
